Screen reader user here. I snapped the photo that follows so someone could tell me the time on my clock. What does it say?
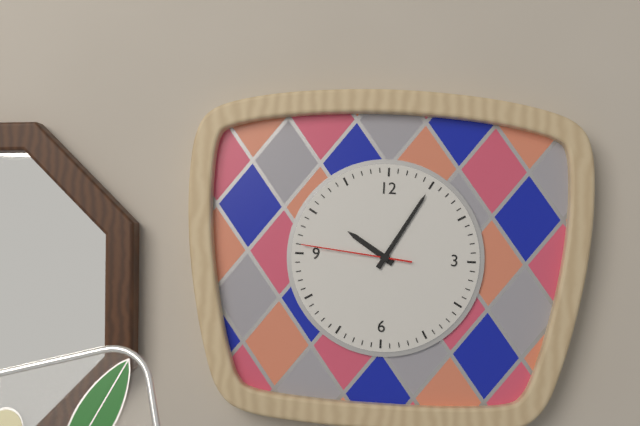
10:05:46
